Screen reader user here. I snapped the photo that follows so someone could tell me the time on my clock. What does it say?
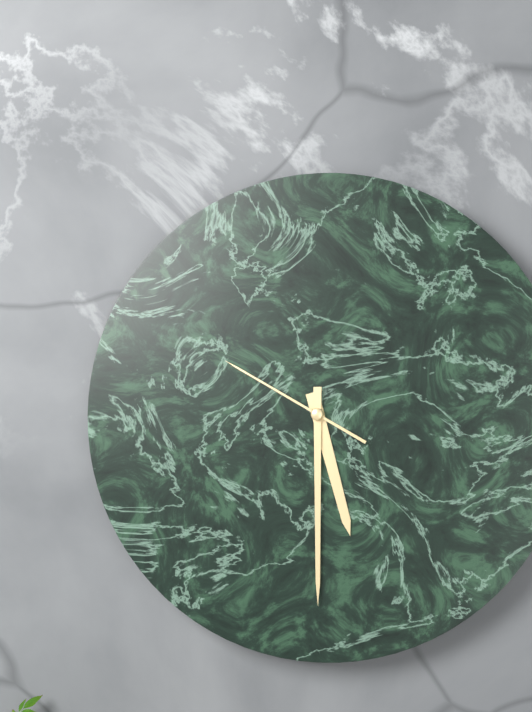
5:30:50
